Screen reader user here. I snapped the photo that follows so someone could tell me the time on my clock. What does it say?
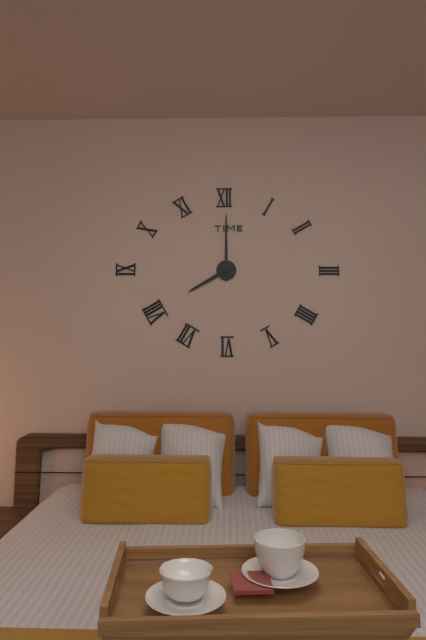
8:00
